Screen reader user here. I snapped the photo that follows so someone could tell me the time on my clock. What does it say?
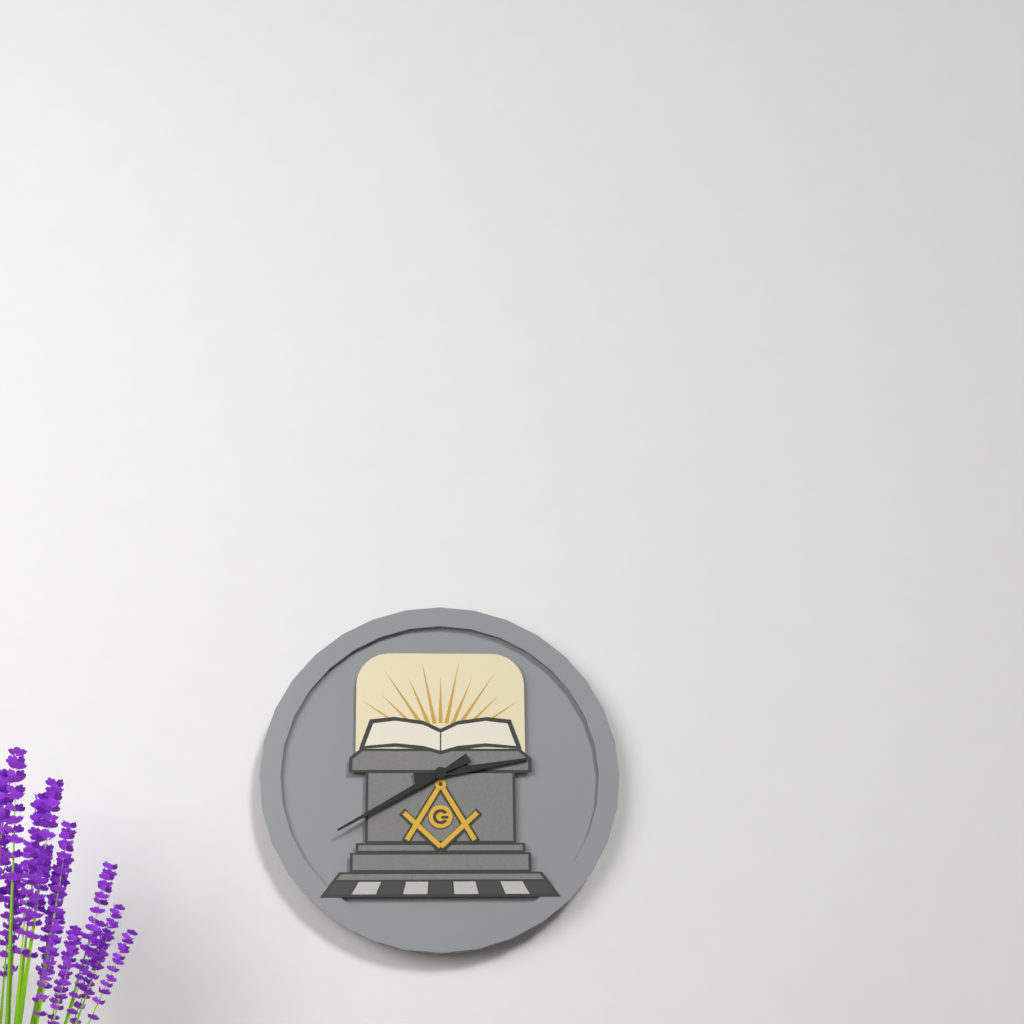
2:40
